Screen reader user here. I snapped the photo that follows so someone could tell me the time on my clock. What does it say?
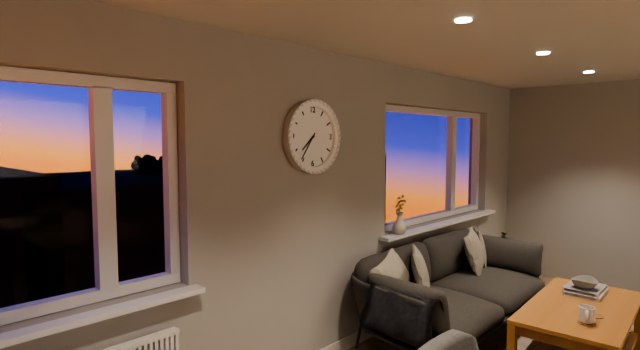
7:36
